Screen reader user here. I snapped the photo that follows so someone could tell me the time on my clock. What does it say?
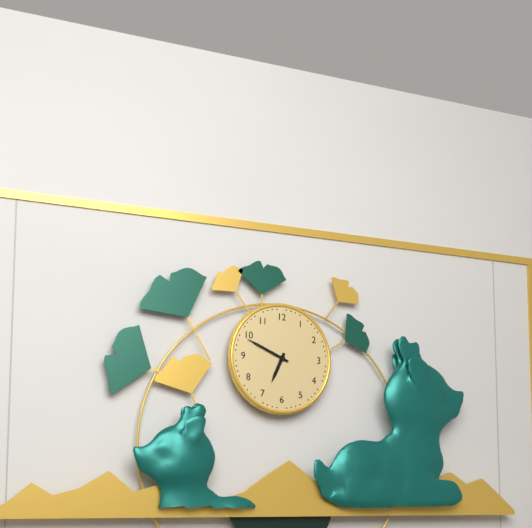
6:49
